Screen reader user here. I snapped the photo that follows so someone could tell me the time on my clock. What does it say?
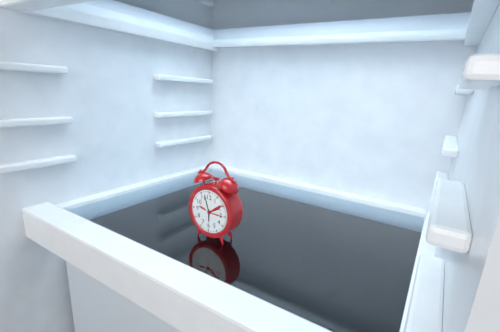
5:57
